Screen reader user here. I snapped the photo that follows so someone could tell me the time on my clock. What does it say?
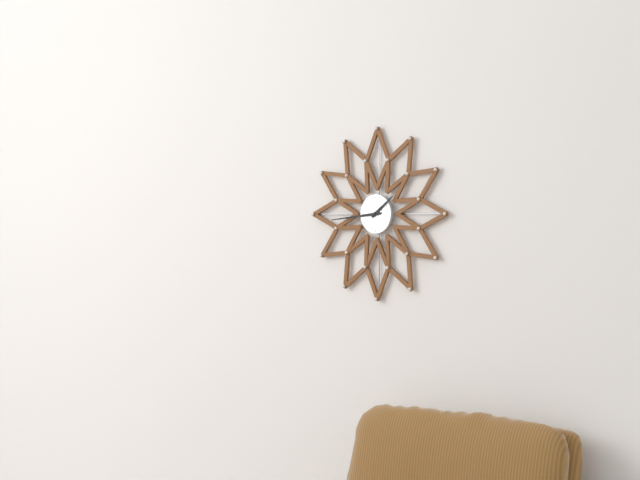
1:44
